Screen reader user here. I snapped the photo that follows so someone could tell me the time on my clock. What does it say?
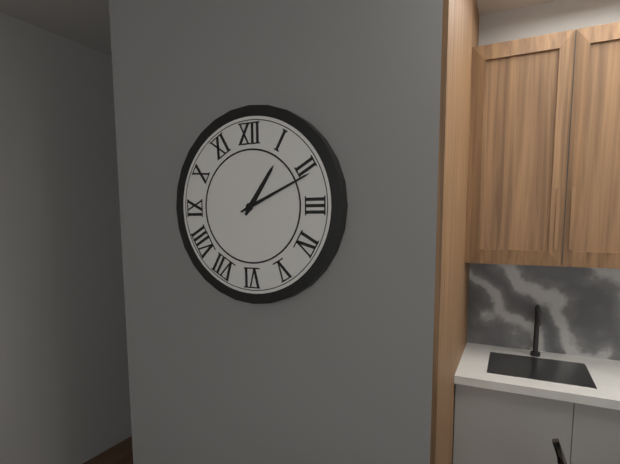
1:11
